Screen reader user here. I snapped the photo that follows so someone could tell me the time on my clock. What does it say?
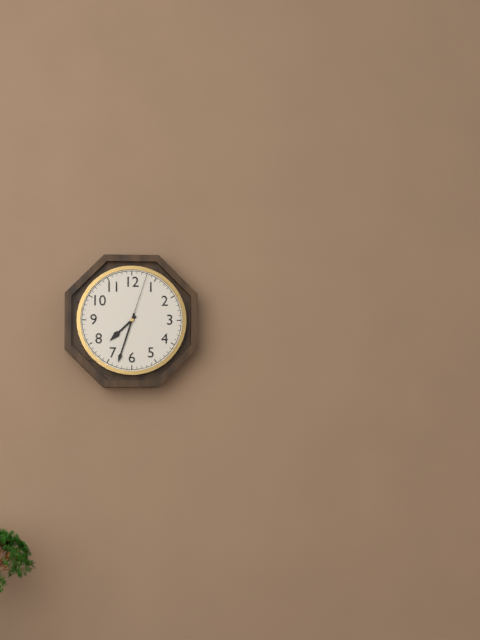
7:33:03
